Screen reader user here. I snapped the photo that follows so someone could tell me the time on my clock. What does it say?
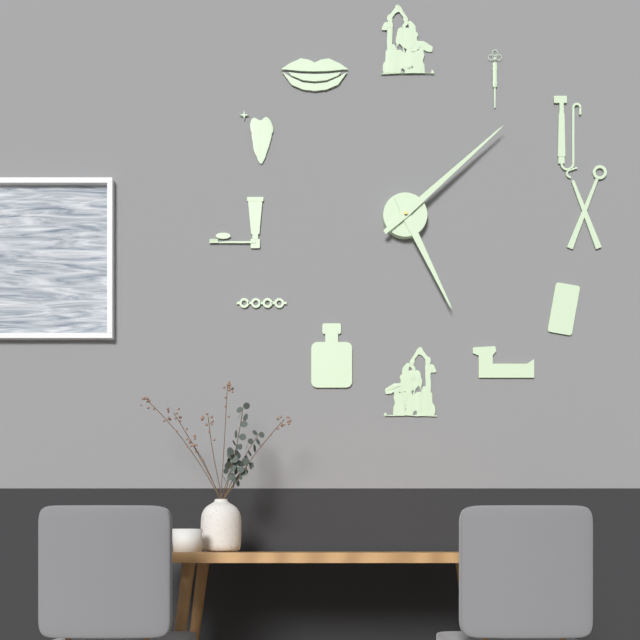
5:08
